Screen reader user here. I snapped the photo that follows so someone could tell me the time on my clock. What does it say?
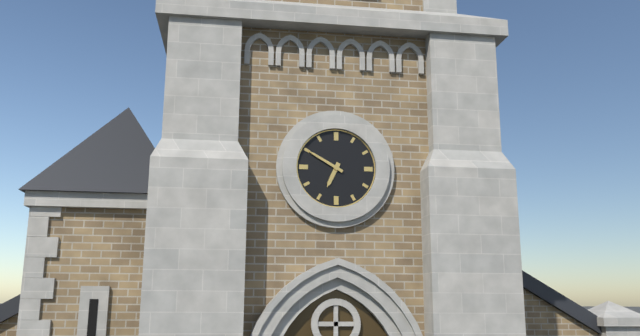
6:50
